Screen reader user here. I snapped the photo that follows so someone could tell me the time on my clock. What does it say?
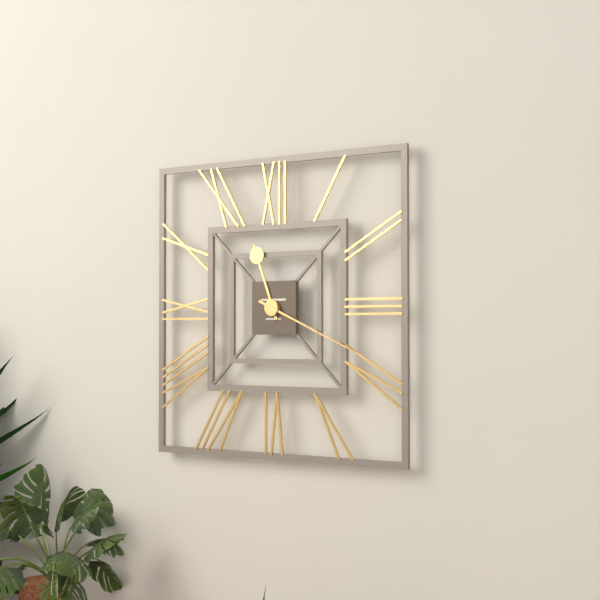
11:19
